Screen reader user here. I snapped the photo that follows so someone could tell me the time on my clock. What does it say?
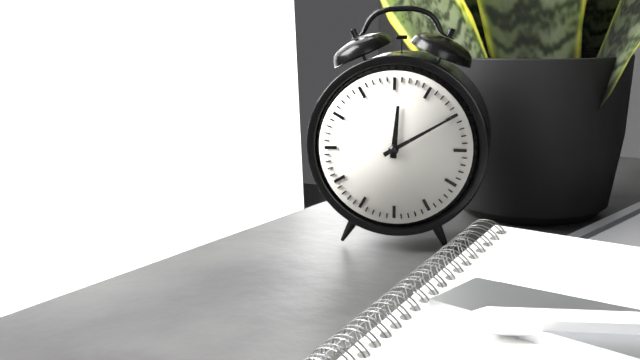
12:10
